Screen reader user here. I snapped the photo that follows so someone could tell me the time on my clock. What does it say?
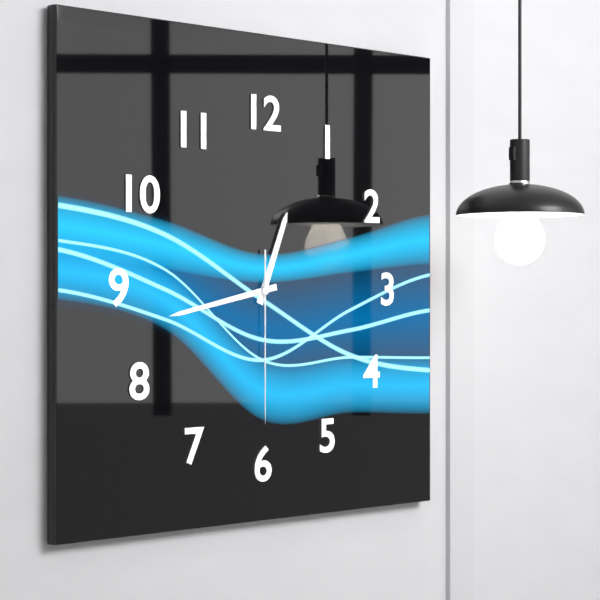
12:43:30
